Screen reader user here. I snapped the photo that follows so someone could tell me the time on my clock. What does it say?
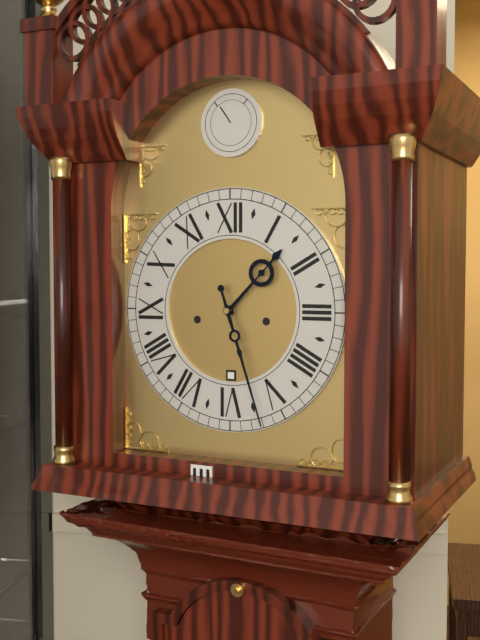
1:27
